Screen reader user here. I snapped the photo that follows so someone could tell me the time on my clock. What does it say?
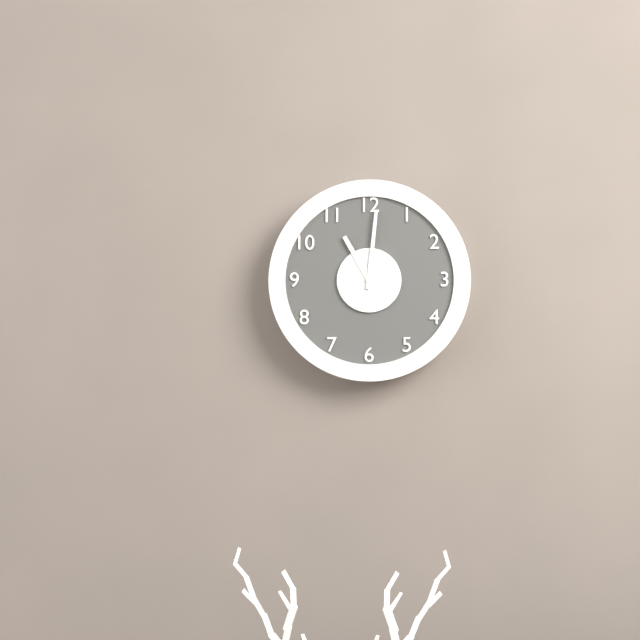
11:01
